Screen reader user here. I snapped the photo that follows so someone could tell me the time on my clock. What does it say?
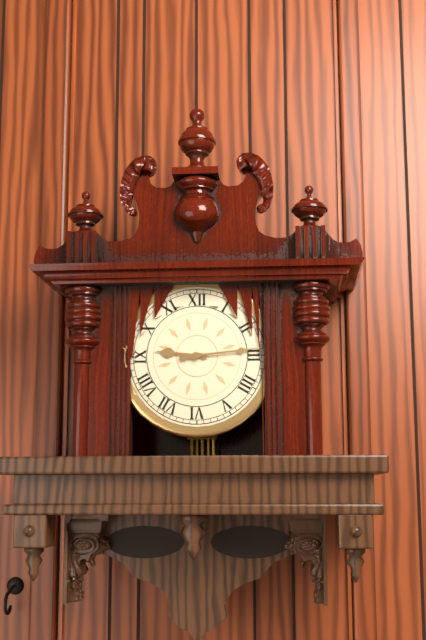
9:14
